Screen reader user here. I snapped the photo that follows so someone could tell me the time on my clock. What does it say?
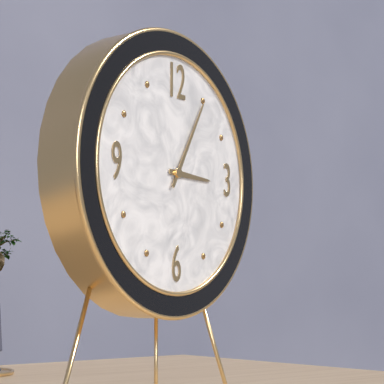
3:05
